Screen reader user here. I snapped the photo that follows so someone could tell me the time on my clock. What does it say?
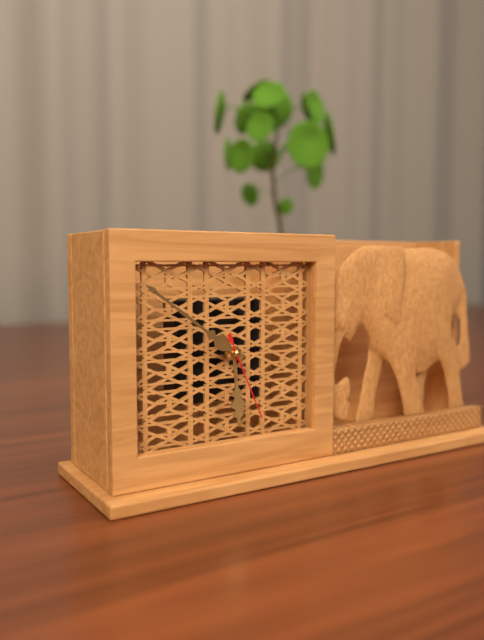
5:51:26
